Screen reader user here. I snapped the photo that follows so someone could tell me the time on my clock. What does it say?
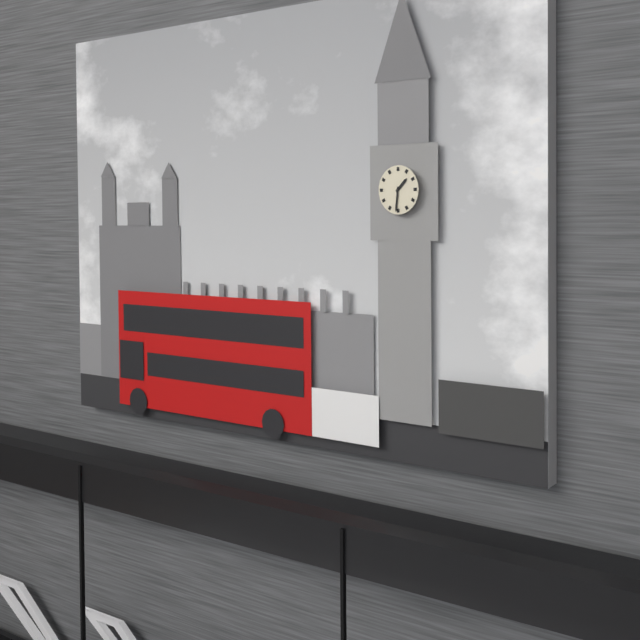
1:31
